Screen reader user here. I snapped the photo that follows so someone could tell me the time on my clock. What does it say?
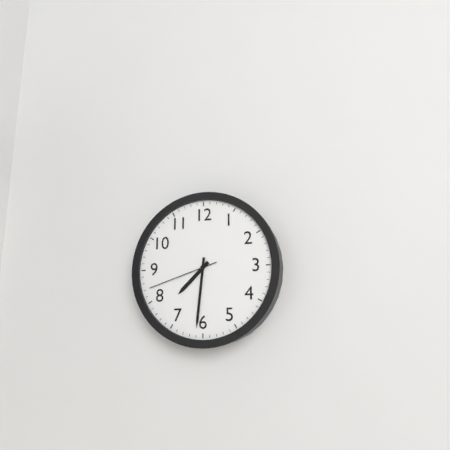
7:31:42
